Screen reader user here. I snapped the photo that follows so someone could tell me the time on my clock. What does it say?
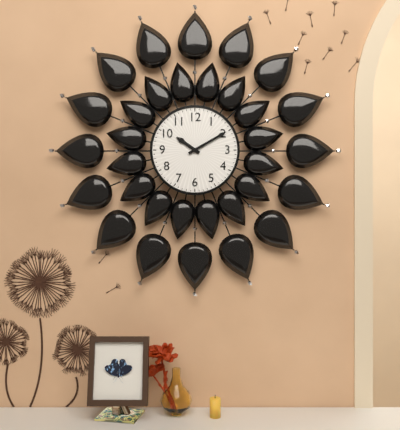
10:10
